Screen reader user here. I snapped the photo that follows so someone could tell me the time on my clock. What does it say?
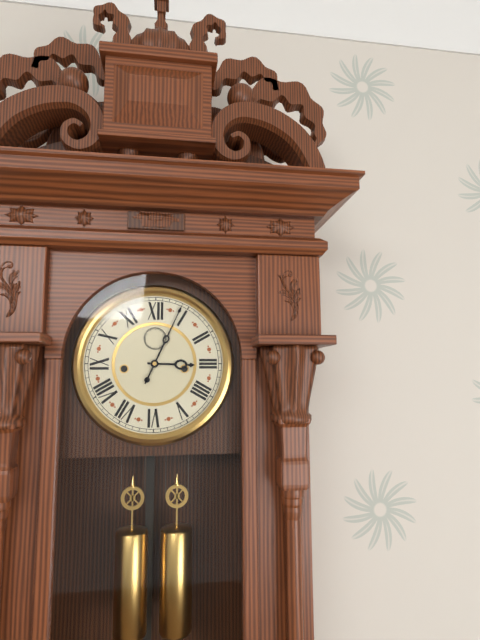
3:04
